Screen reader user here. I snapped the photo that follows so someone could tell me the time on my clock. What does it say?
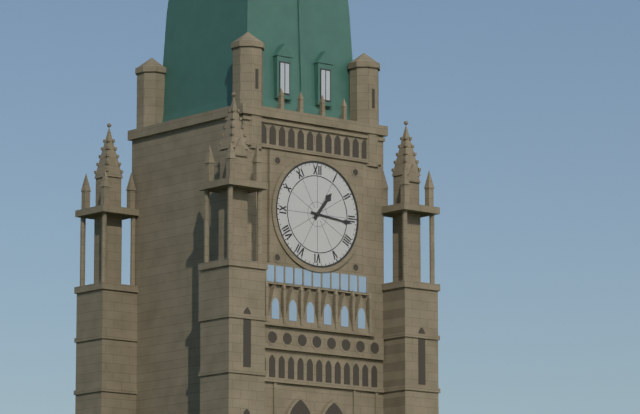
1:16
